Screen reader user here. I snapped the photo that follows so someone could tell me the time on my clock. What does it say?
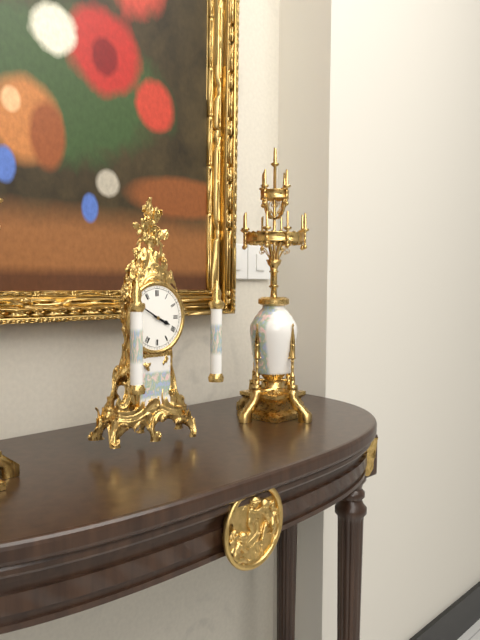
3:50
